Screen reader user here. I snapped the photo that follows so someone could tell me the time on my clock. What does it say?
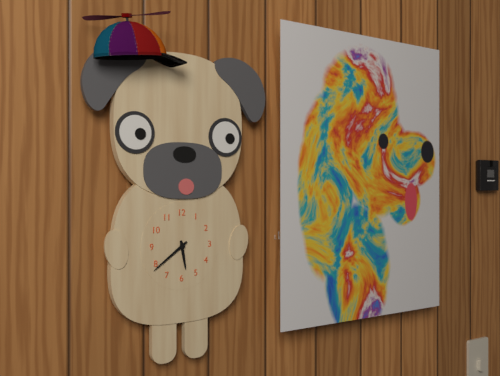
5:39
